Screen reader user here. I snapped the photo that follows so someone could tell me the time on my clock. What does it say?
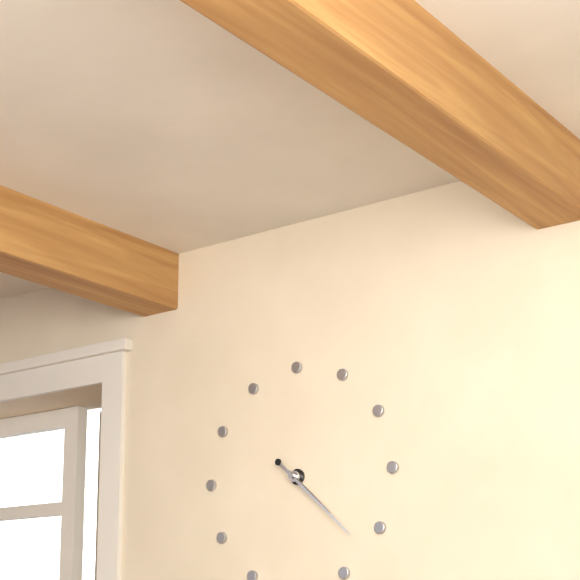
4:22
